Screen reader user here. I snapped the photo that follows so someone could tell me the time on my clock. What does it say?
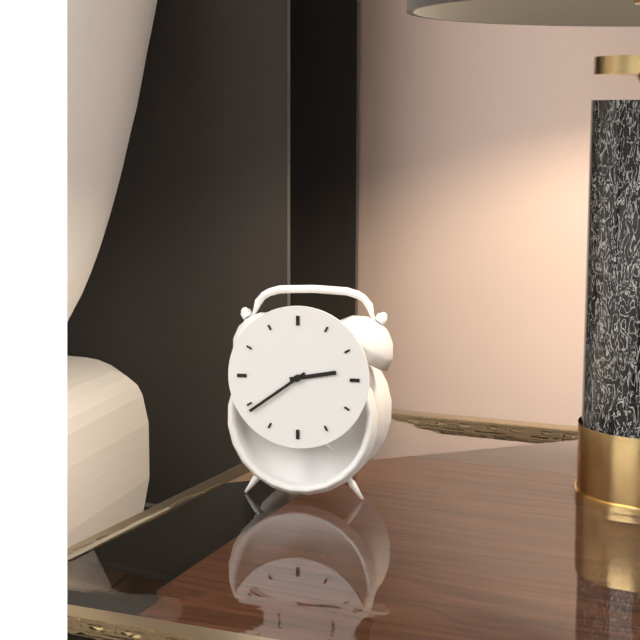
2:39
